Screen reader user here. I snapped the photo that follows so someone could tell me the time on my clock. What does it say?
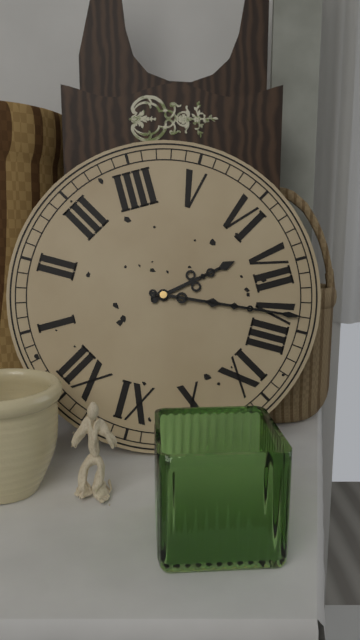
6:39
